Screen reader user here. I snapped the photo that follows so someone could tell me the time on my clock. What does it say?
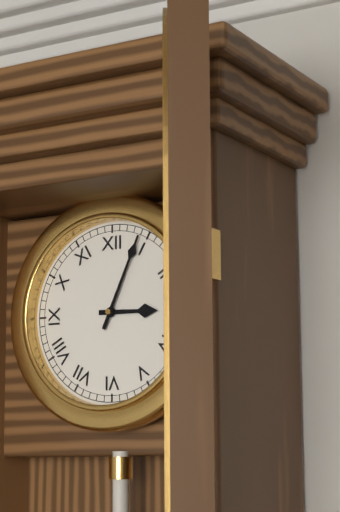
3:04
